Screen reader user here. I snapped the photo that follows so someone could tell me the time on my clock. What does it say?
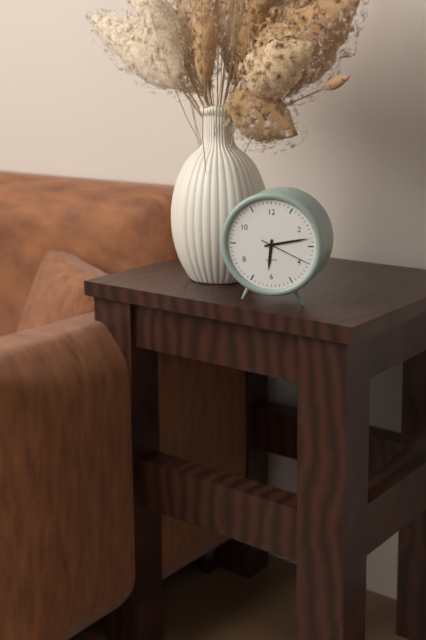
6:13:19
